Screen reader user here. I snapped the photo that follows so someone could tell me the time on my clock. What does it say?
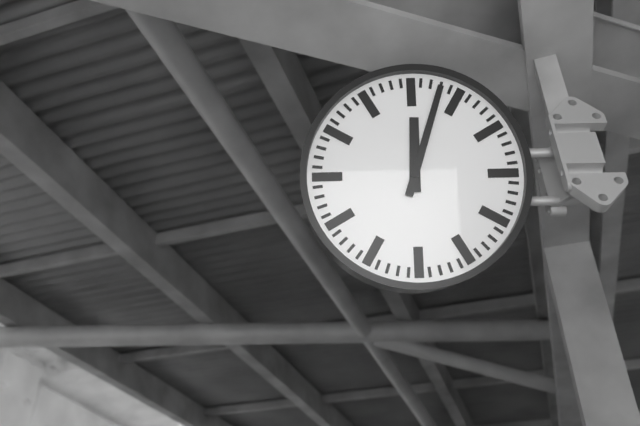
12:03
